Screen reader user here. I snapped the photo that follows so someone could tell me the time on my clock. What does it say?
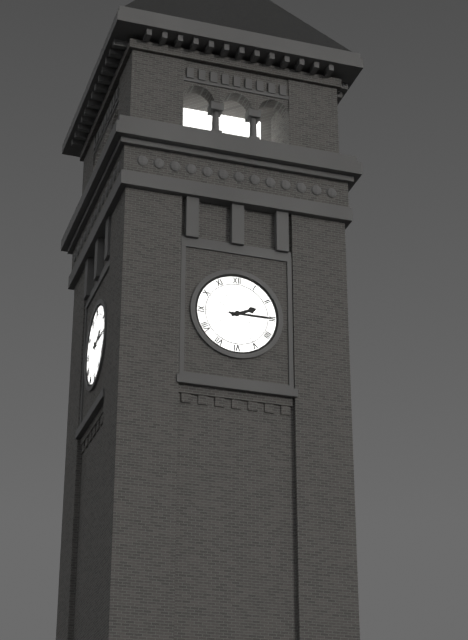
2:15
